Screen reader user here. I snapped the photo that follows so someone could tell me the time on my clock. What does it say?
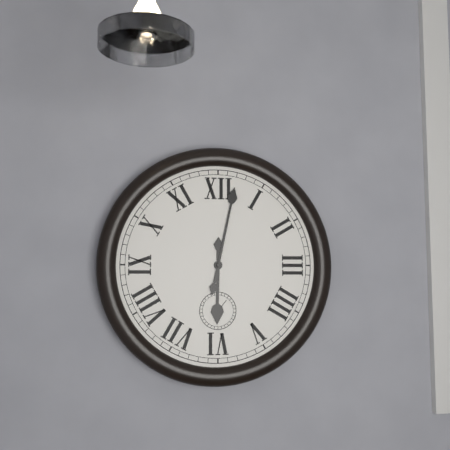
6:02
